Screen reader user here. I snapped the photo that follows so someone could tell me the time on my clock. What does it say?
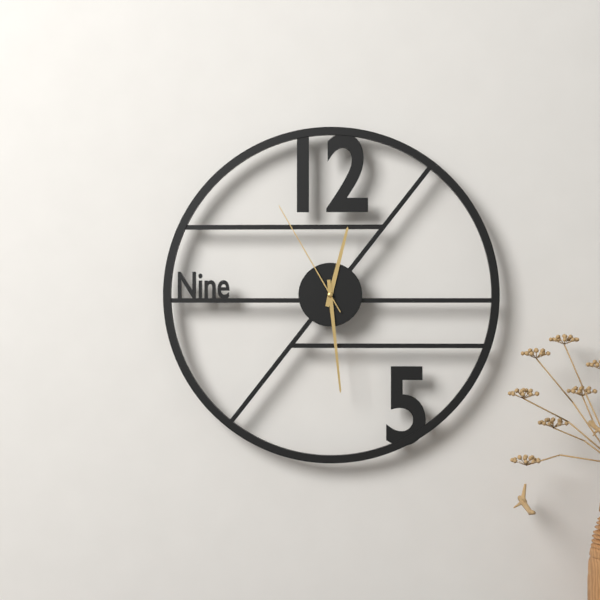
12:29:55
